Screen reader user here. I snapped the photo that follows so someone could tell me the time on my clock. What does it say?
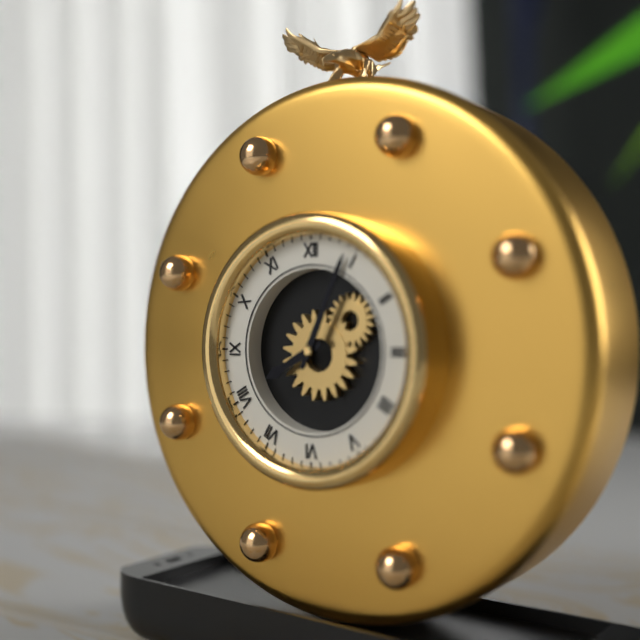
8:04
